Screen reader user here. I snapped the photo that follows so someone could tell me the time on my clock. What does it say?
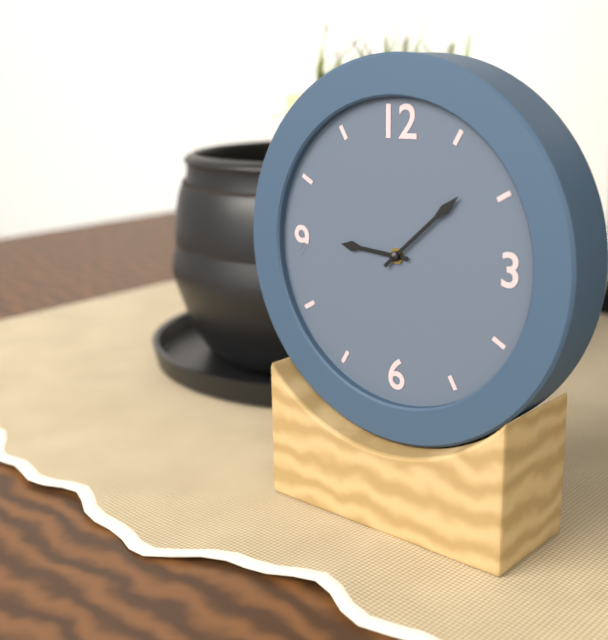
9:08
